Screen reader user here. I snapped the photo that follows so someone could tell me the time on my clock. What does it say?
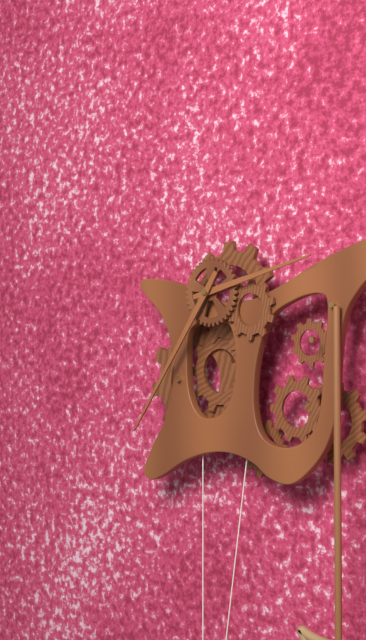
2:36
